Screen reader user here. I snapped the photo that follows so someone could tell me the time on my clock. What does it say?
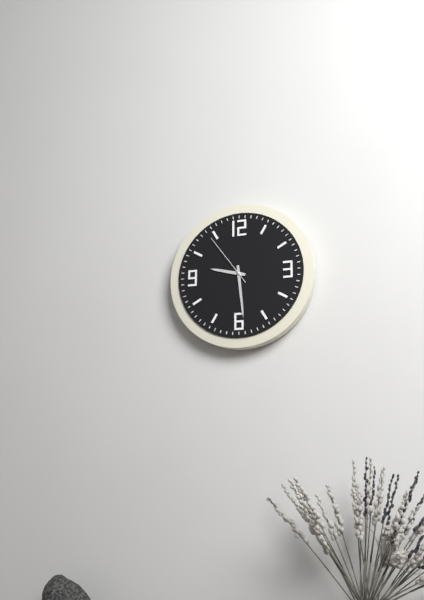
9:29:54
